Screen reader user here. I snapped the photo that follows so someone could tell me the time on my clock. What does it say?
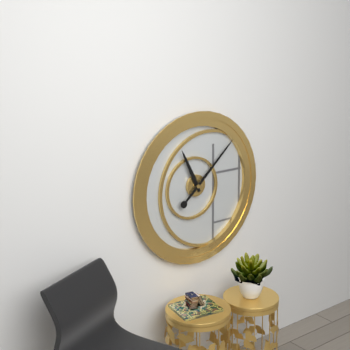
11:08
